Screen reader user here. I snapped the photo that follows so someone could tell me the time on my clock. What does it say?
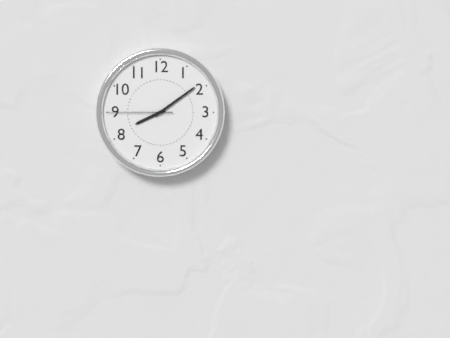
8:09:45
